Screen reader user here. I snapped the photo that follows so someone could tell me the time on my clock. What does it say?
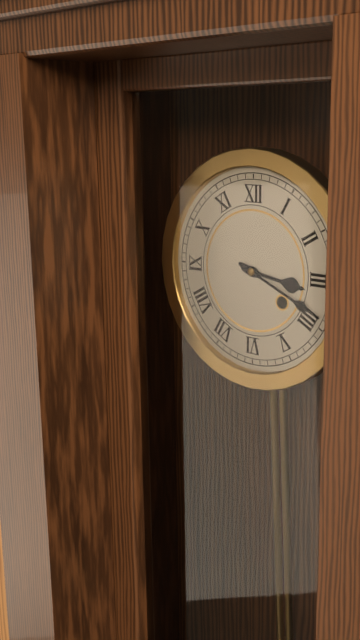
3:19
